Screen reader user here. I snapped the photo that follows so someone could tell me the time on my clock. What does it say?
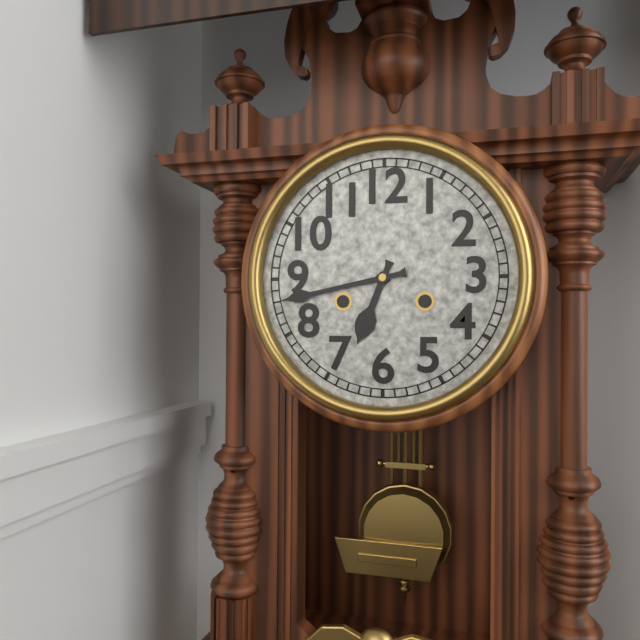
6:43
